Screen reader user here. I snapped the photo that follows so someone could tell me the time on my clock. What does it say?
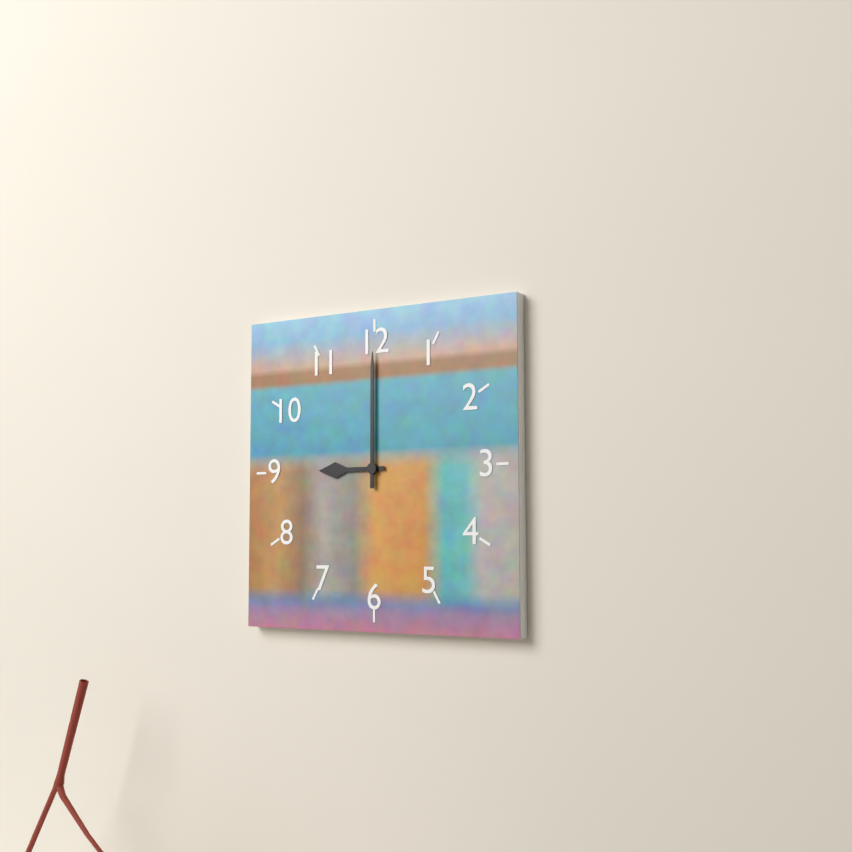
9:00
